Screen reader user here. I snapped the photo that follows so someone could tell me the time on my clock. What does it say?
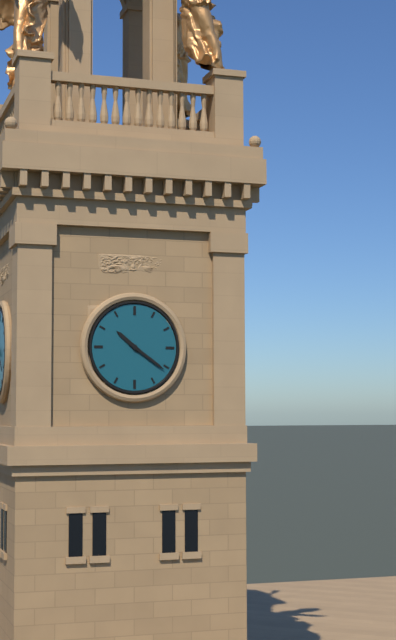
10:21
